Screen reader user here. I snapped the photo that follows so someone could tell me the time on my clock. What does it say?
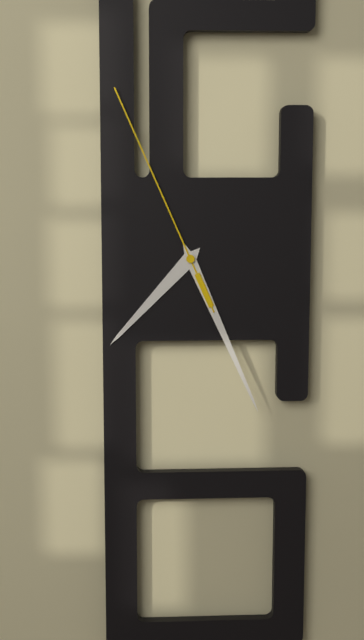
7:26:56
